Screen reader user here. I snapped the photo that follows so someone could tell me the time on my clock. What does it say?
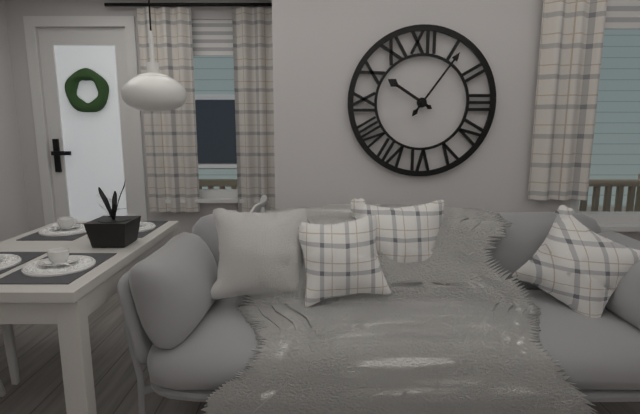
10:06
